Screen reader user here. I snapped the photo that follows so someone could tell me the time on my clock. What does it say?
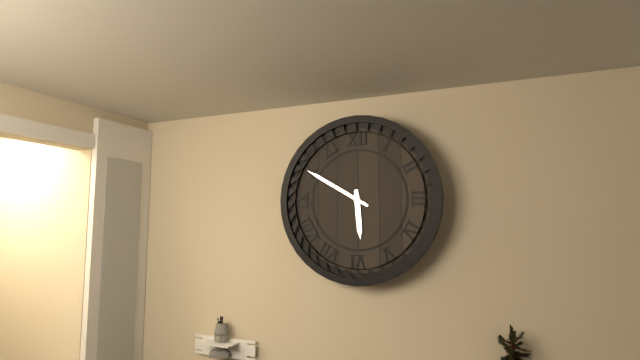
5:50
